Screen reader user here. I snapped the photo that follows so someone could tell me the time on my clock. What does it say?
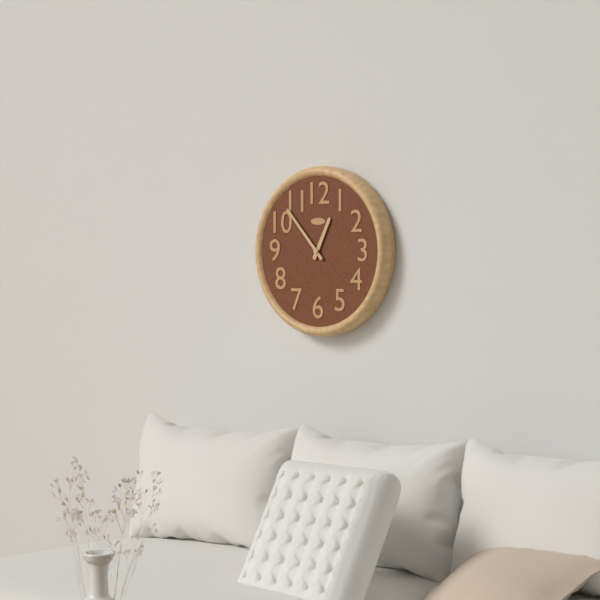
12:53
